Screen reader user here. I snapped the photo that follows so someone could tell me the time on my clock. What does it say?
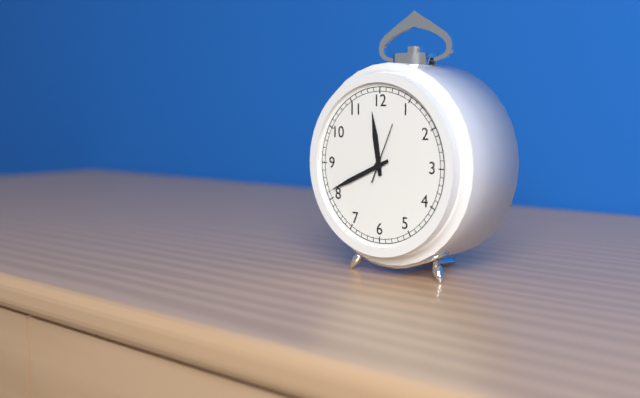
11:41:04
